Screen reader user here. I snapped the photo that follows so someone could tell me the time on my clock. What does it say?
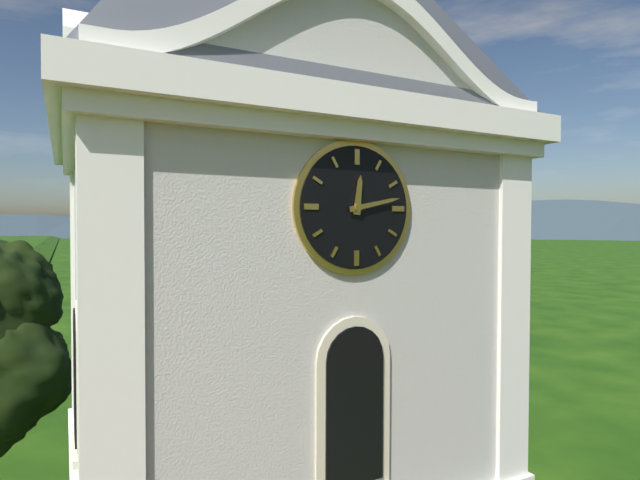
12:13
